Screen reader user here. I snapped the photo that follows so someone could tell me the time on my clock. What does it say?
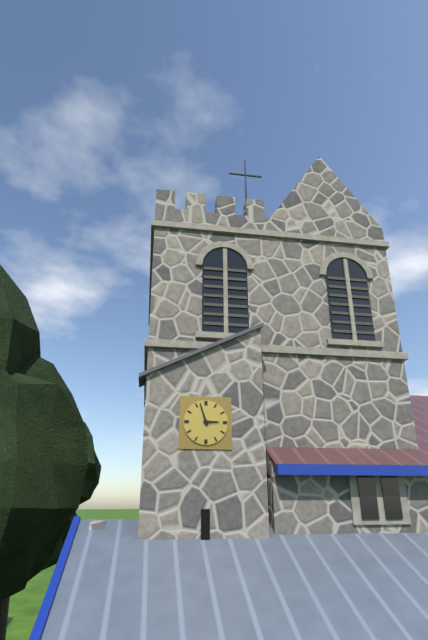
2:57
